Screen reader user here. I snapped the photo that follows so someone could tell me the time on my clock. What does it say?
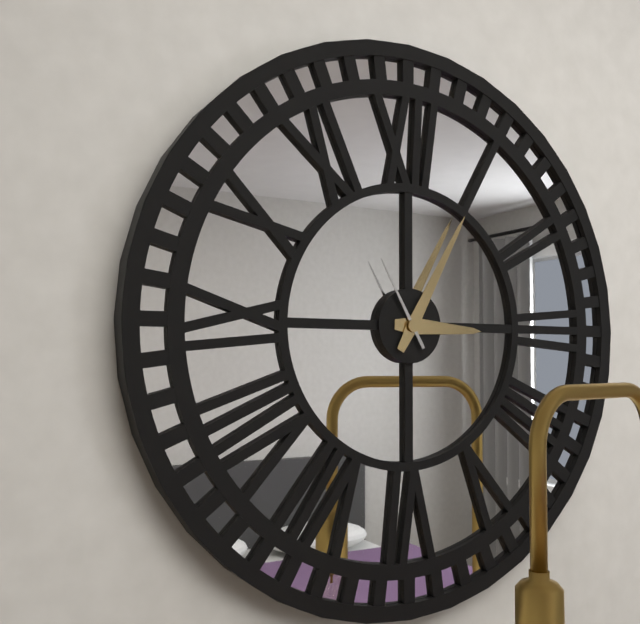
3:05:55
